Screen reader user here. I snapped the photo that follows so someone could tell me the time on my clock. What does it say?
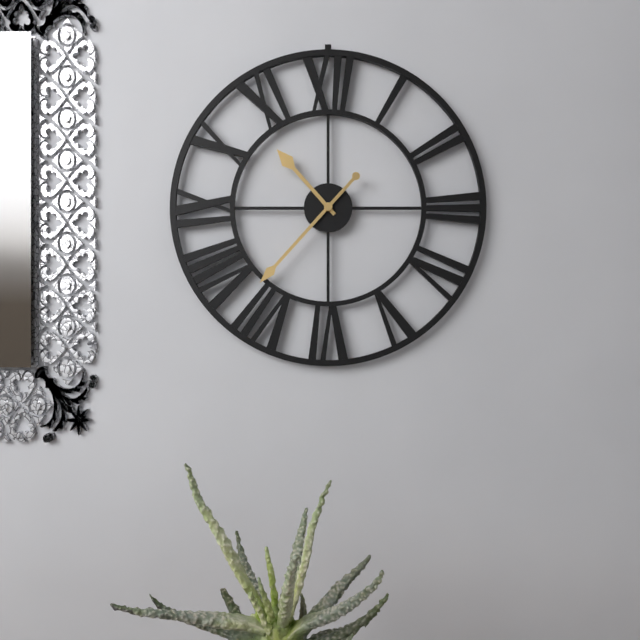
10:37
